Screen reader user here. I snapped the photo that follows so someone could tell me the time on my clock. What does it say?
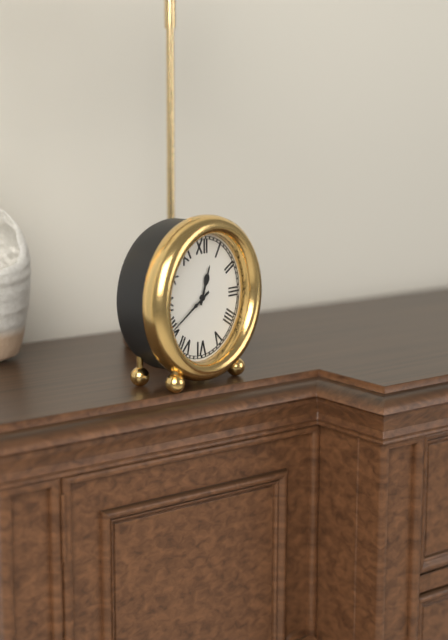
12:40
